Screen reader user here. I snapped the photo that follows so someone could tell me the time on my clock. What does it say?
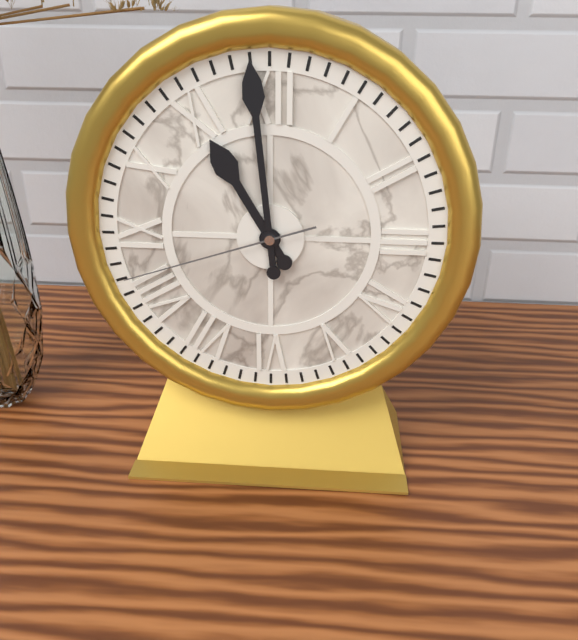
10:59:42
